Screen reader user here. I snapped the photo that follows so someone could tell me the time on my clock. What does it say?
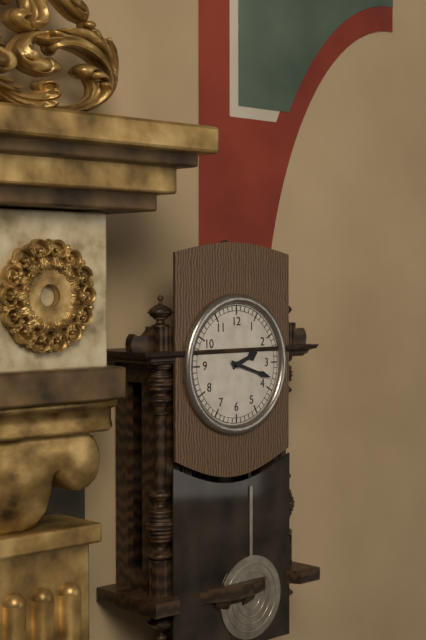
2:18
